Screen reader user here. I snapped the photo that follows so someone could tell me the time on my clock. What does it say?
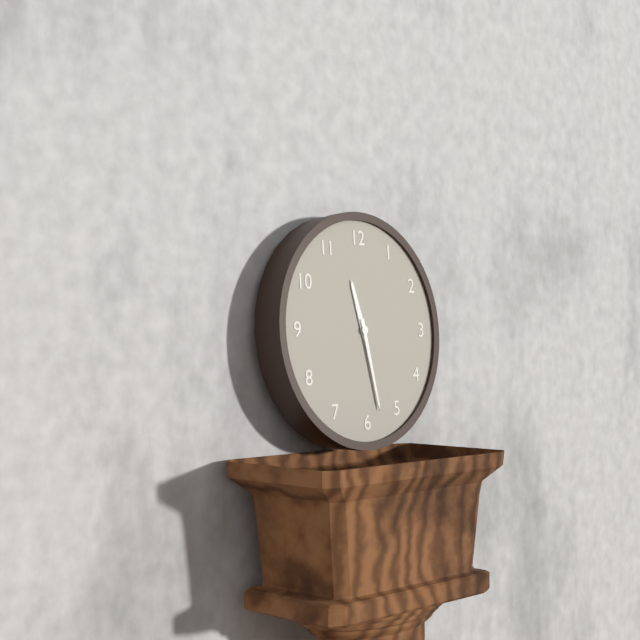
11:28
